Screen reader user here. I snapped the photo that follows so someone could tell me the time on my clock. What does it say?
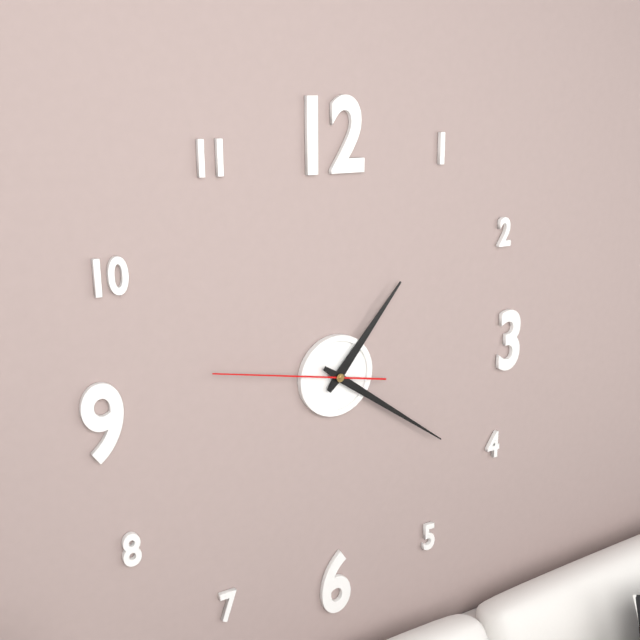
1:21:47
